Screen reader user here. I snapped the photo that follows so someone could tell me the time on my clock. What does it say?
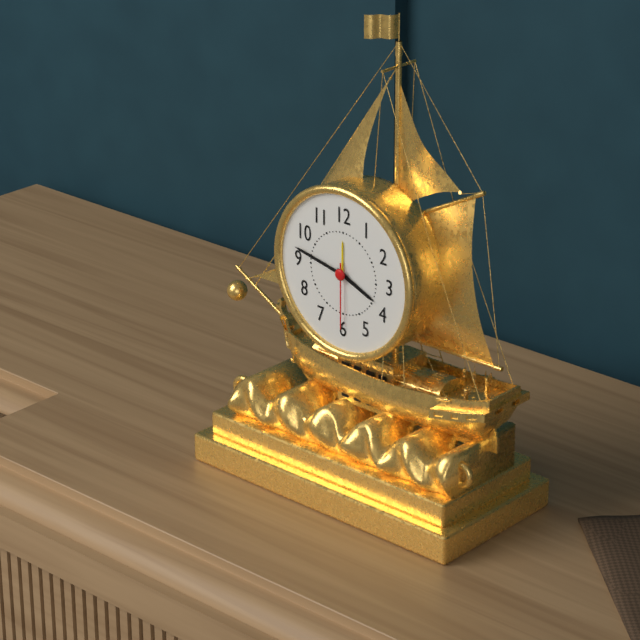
3:47:30
